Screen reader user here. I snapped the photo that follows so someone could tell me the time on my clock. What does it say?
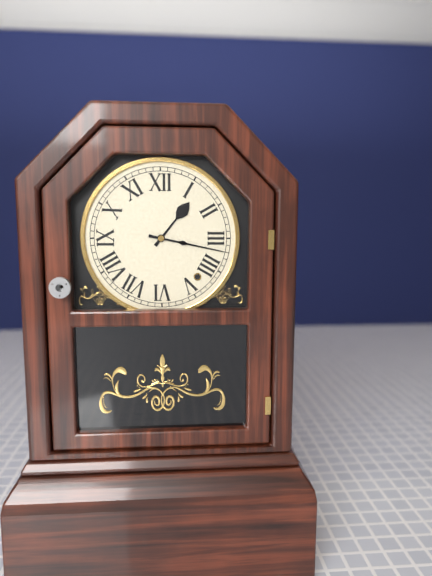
1:17
